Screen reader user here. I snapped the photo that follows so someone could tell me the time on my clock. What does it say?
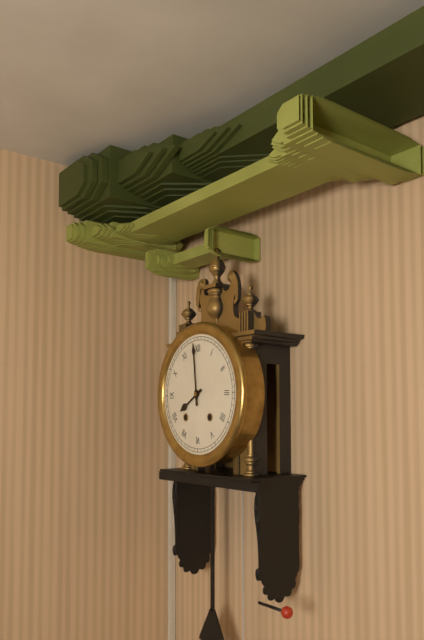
7:59
